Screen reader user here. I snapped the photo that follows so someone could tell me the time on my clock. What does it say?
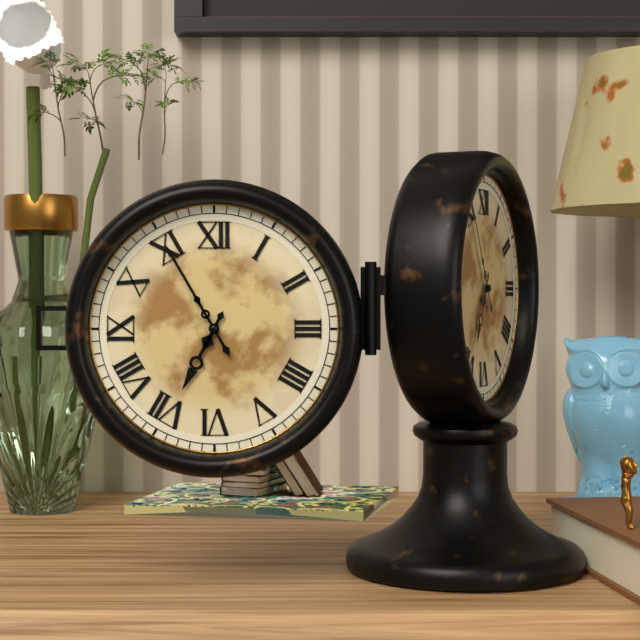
6:55
